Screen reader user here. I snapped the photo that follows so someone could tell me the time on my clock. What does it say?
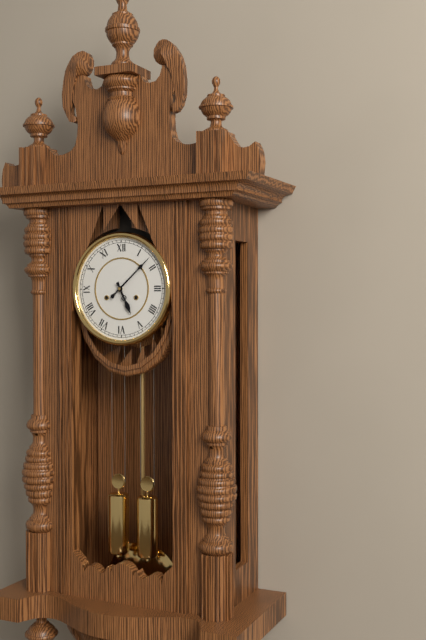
5:08
